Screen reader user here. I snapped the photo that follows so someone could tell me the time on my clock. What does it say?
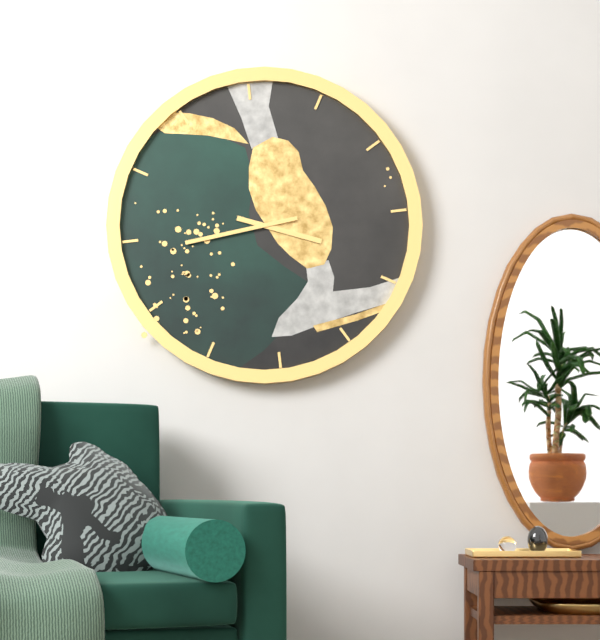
3:44
